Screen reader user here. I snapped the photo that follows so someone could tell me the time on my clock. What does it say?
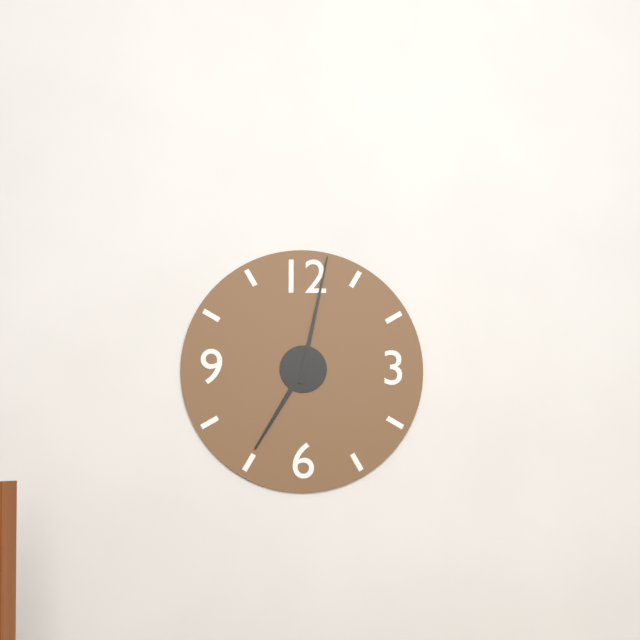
7:02
